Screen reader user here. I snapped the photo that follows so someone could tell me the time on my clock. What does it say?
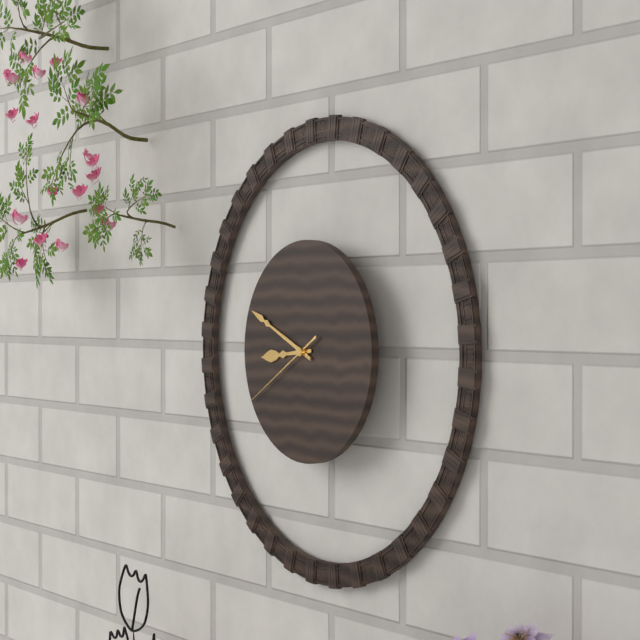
8:49:40
